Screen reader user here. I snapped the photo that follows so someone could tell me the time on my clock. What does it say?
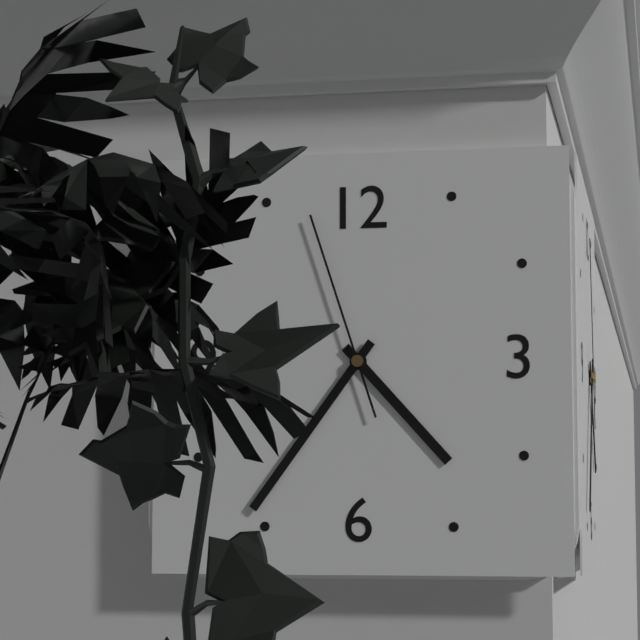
4:36:57
